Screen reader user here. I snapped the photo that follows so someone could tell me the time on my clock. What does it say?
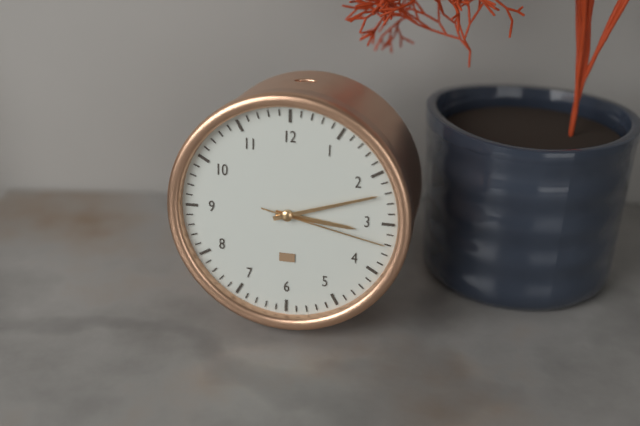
3:12:17
